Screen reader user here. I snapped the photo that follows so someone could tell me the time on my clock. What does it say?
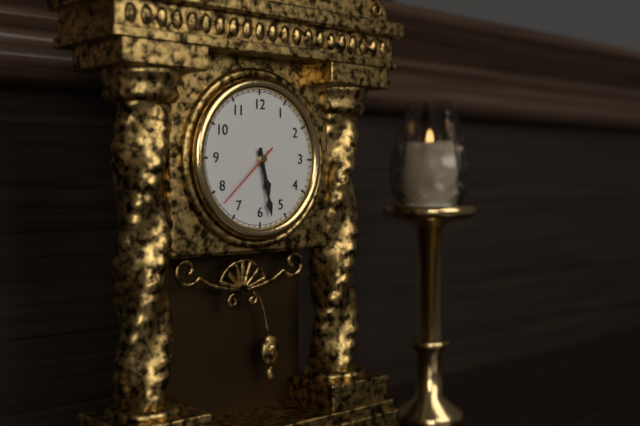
5:28:38
